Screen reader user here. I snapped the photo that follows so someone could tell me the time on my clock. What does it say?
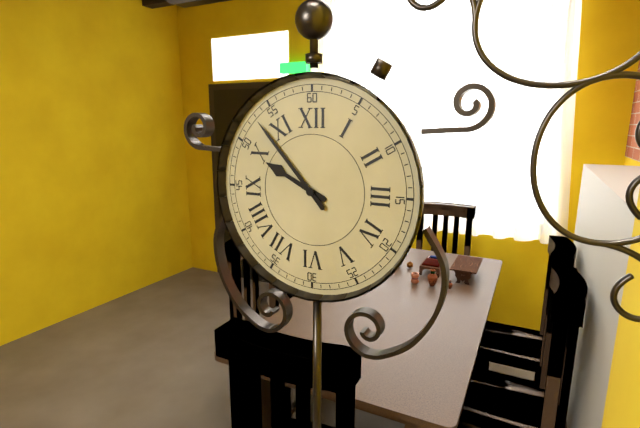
9:53
